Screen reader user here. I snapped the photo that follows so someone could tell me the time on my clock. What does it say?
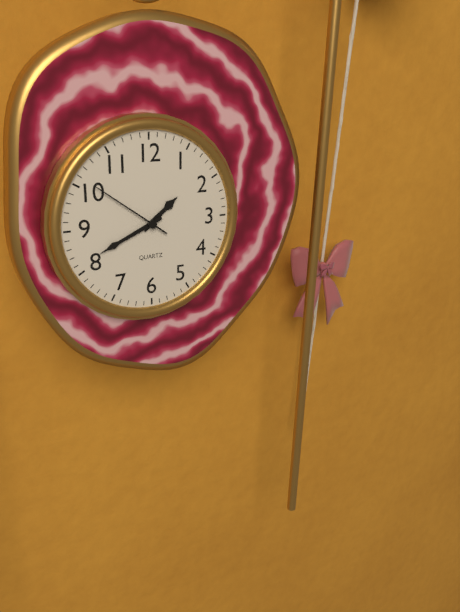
1:41:51
